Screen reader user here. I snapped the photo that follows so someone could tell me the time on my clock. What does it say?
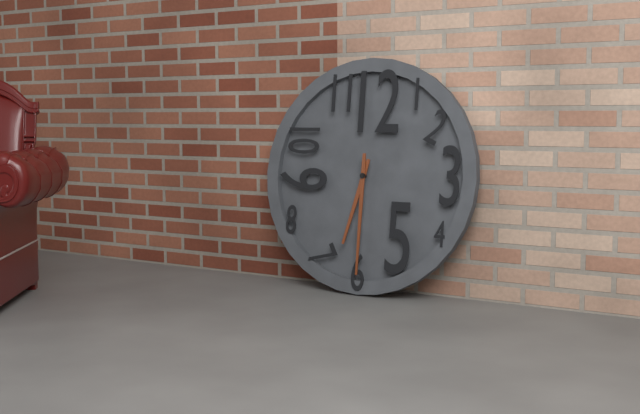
6:30
